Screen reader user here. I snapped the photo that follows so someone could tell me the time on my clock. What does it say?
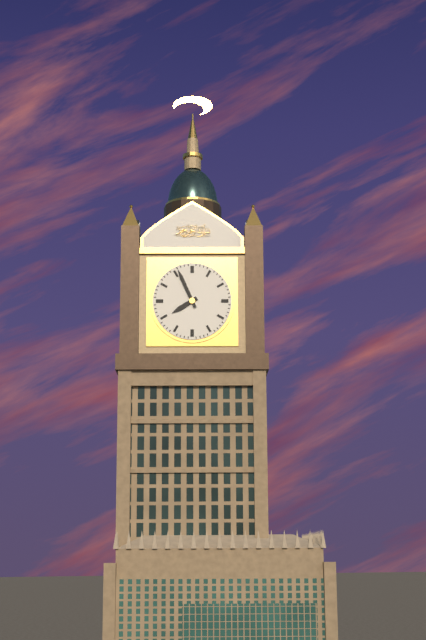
7:56
